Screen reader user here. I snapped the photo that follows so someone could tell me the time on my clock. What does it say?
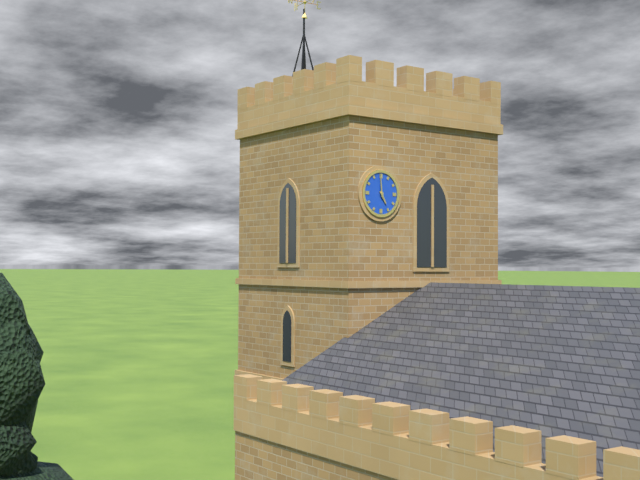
4:59
